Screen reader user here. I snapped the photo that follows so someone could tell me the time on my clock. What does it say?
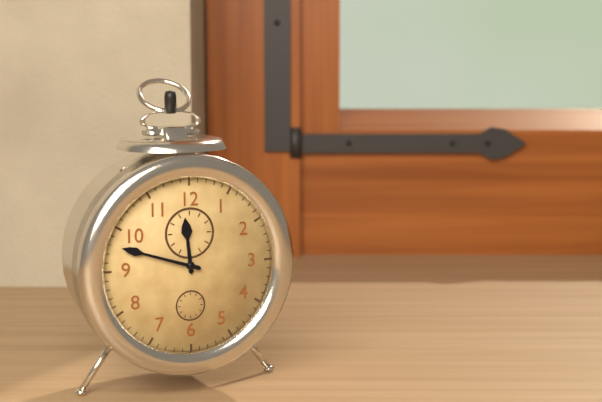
11:48
